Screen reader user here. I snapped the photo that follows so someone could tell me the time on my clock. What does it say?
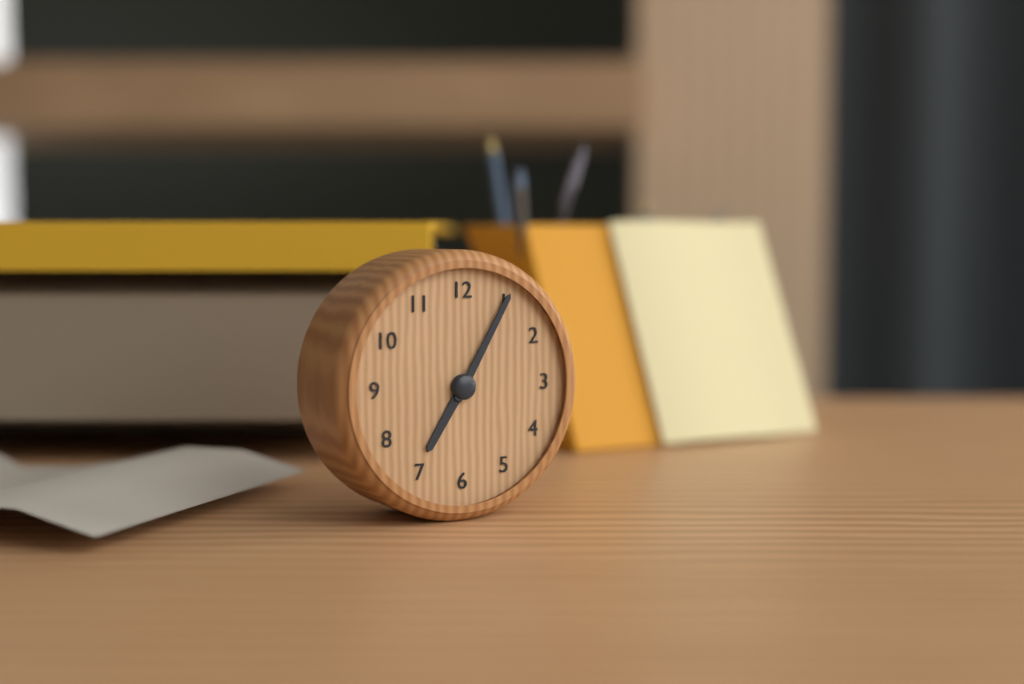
7:05
